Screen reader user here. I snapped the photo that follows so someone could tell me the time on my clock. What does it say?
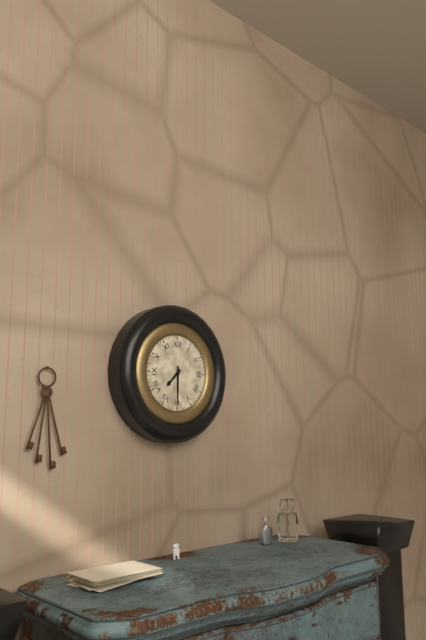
7:30
